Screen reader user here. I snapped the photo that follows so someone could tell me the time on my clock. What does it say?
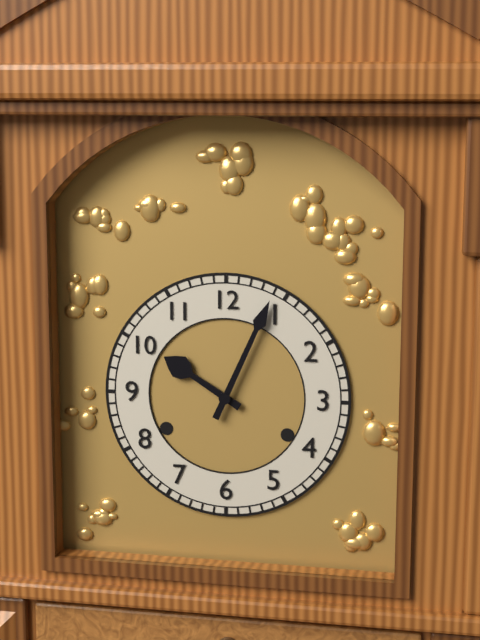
10:04
